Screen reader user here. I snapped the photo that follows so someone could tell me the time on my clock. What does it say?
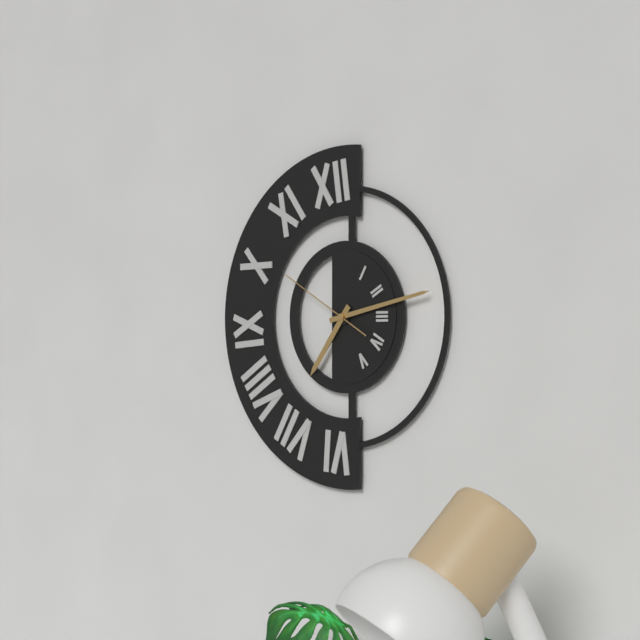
7:13:50
